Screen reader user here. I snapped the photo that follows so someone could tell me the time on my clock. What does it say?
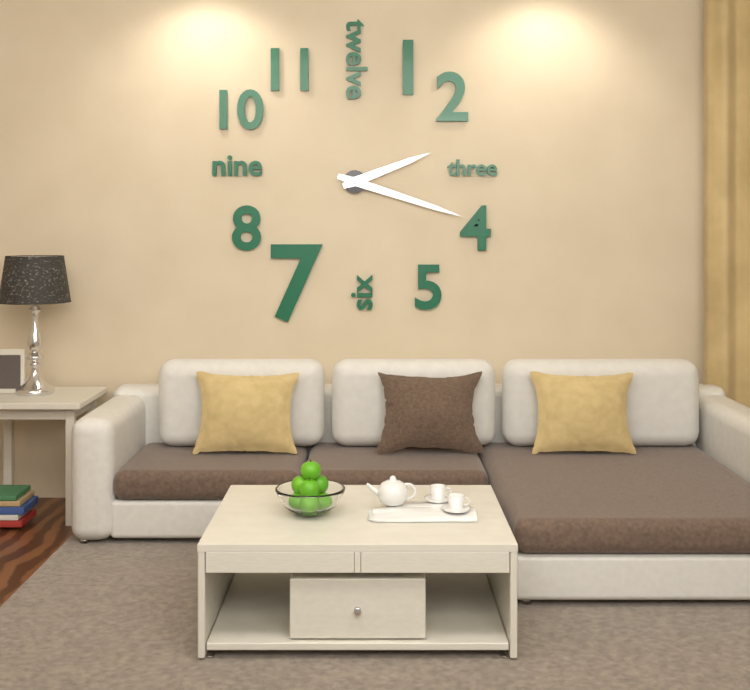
2:18
